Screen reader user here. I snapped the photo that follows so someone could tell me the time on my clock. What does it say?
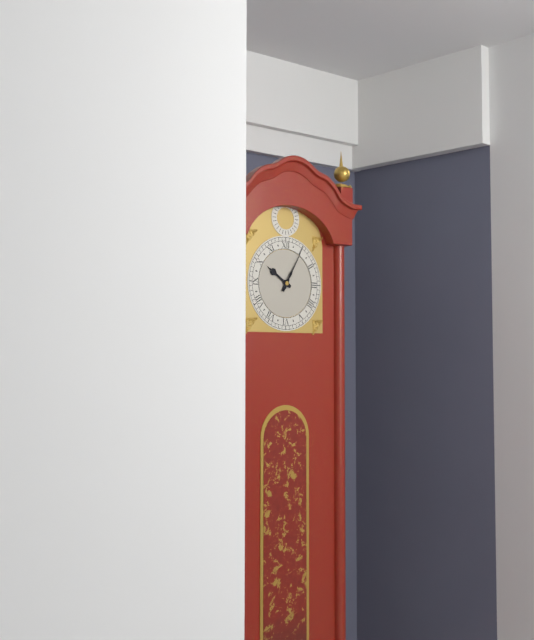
10:05
